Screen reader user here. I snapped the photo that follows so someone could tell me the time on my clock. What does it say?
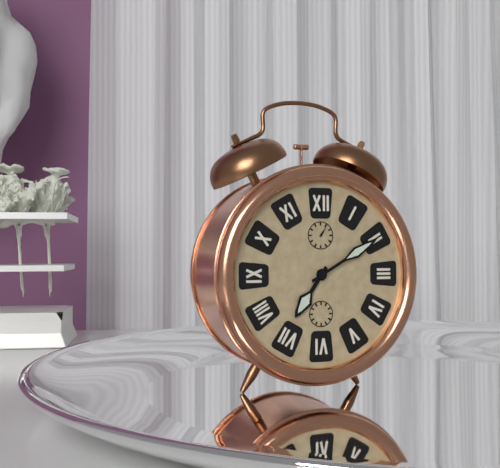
7:10
